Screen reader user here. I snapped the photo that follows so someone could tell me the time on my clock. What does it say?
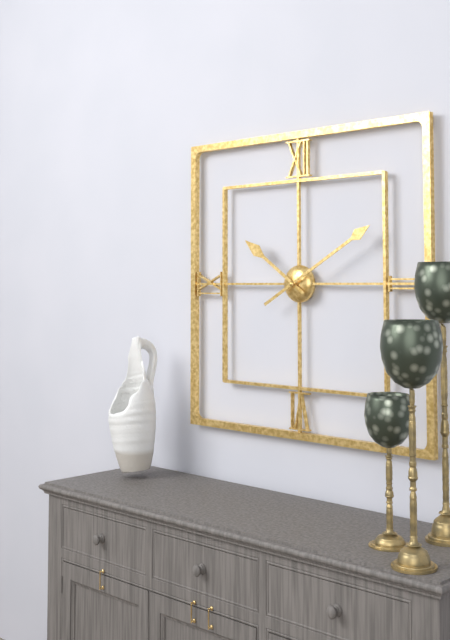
10:10
